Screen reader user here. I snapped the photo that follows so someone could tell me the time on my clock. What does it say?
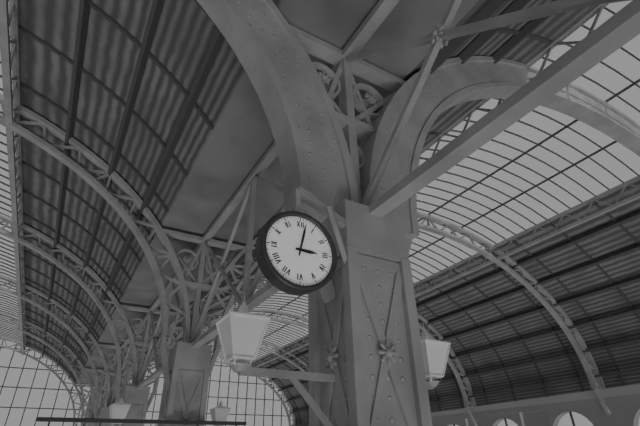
3:02
